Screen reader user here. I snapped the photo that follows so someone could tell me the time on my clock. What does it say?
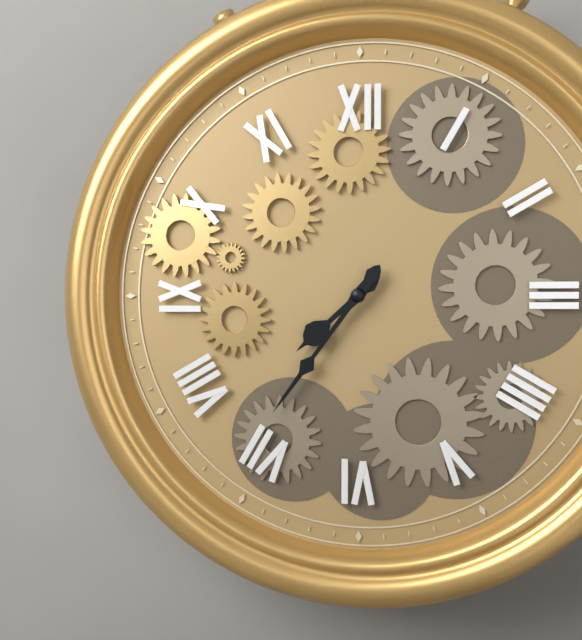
7:36
